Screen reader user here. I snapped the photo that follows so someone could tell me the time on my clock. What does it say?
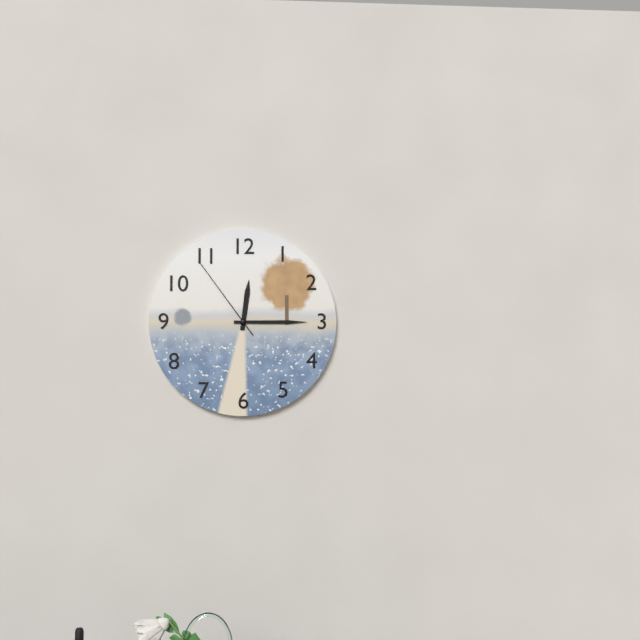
12:15:54
